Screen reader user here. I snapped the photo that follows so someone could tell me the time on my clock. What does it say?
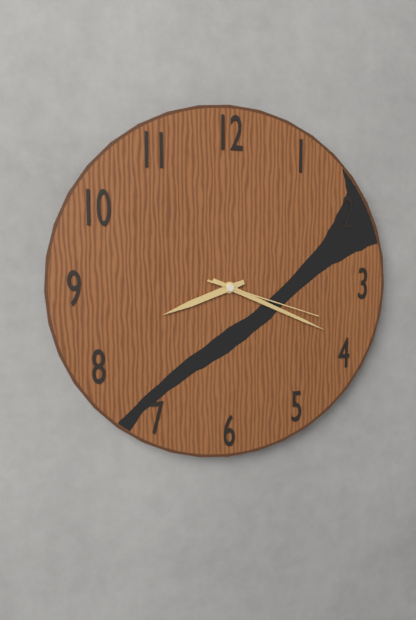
8:19:18
